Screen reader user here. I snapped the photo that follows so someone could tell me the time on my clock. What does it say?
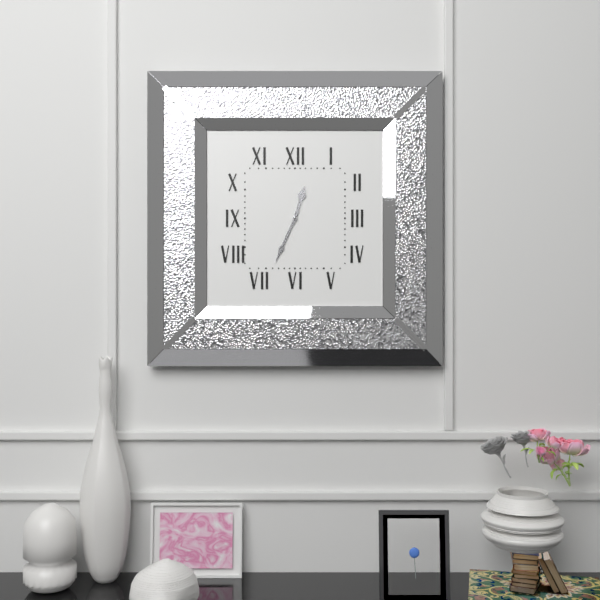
12:34
